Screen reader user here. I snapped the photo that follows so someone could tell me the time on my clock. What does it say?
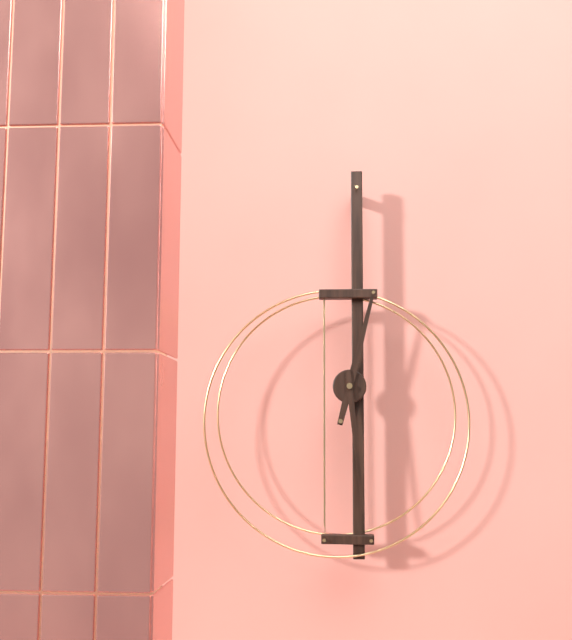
12:29
